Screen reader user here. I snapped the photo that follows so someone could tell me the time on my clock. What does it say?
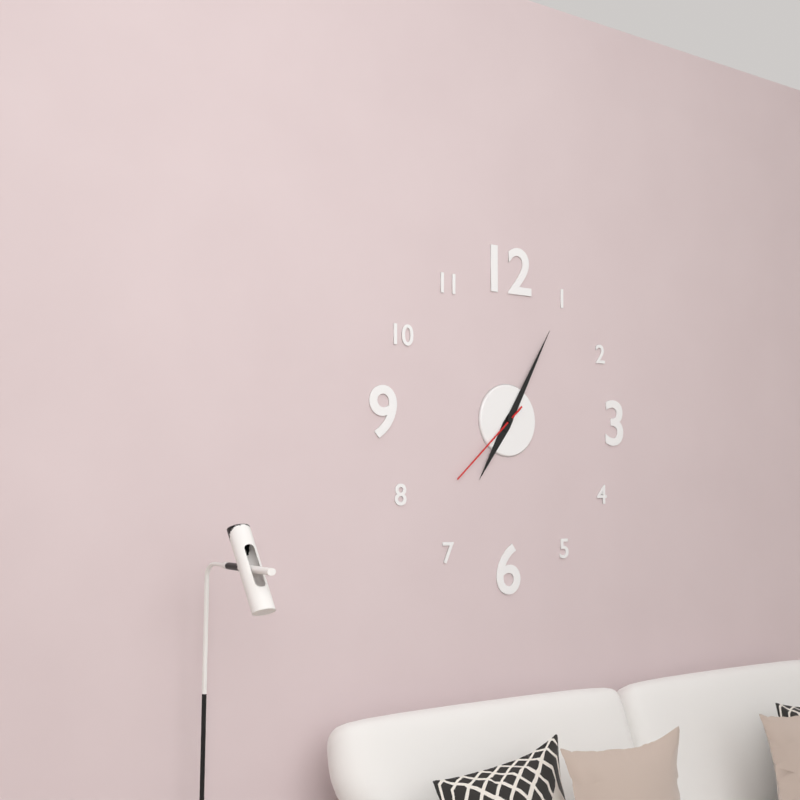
7:05:38
